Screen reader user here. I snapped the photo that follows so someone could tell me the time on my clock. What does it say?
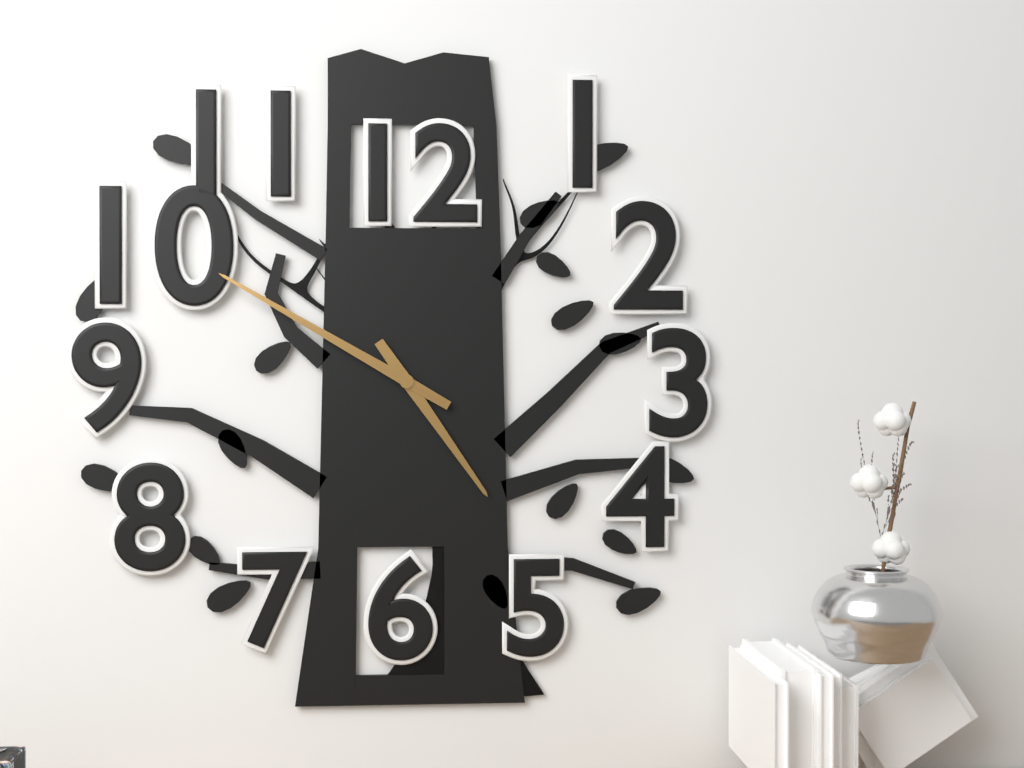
4:50:50
